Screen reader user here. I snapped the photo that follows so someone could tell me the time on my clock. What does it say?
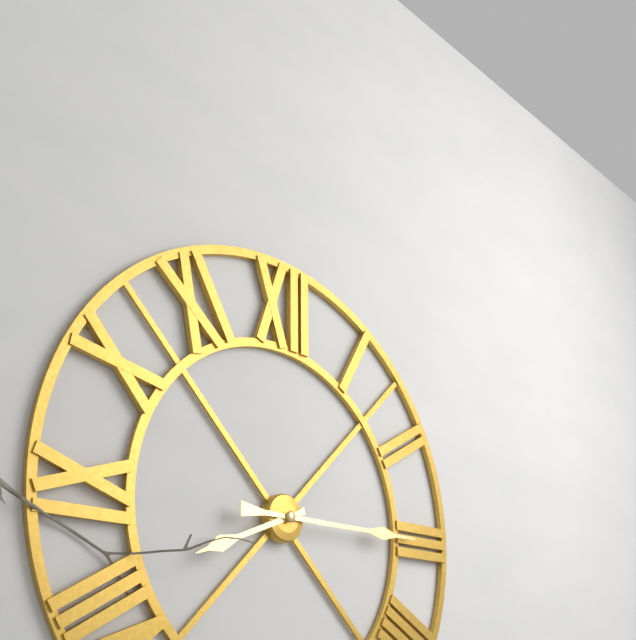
8:15
